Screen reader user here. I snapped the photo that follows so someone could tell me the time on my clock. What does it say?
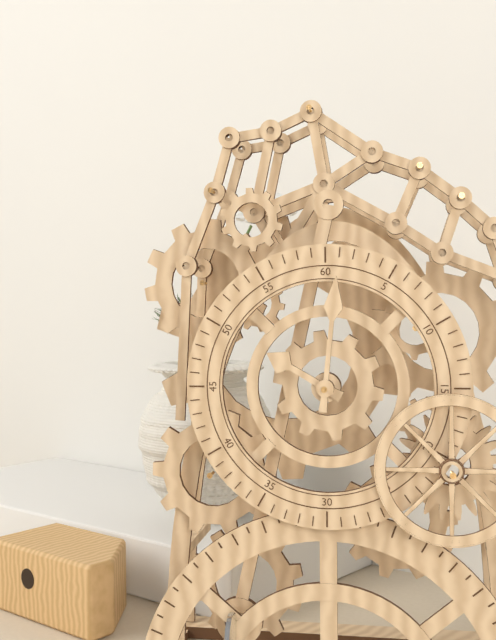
10:01
